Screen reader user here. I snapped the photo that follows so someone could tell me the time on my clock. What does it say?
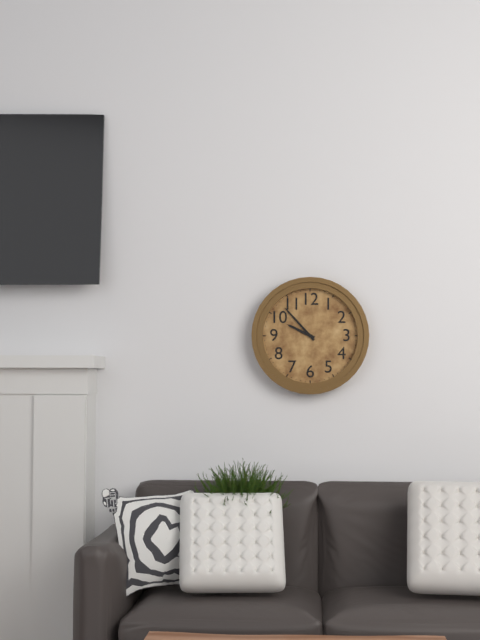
9:53
